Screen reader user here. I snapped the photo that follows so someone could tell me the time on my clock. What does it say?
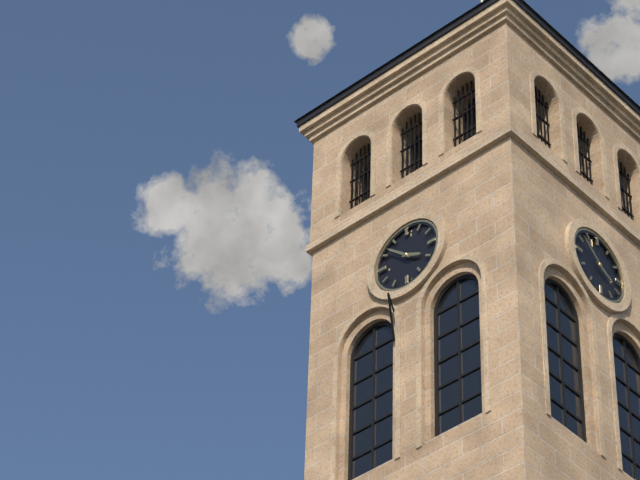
3:52
